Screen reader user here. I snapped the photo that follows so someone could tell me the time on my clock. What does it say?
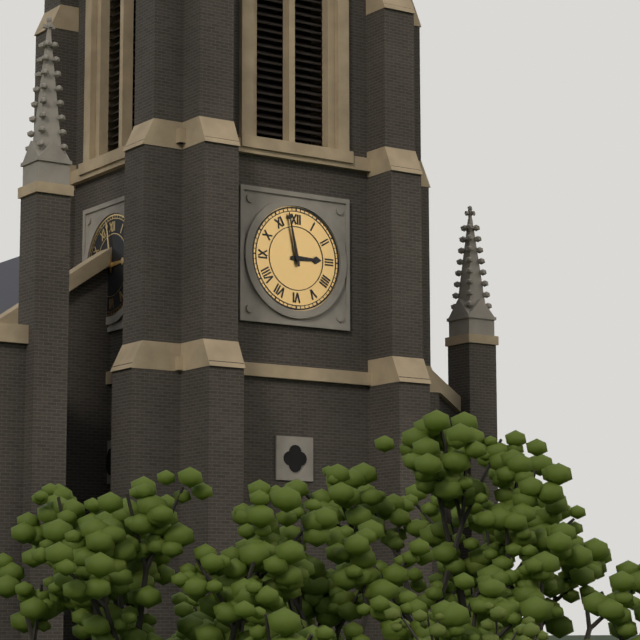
2:58
